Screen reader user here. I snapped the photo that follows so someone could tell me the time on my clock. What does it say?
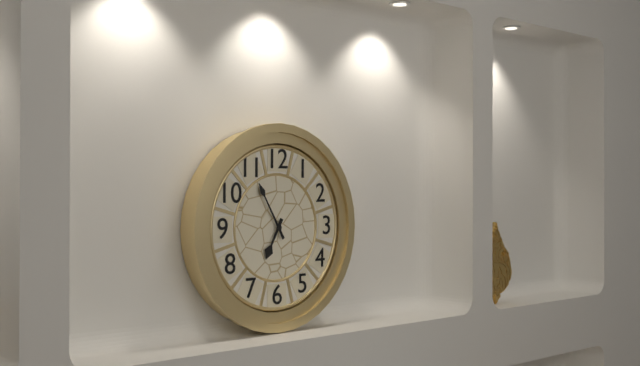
6:55
